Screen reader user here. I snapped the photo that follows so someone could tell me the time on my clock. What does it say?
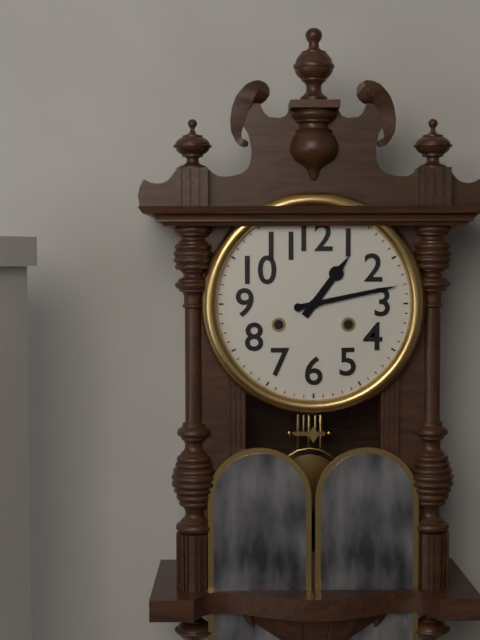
1:13
